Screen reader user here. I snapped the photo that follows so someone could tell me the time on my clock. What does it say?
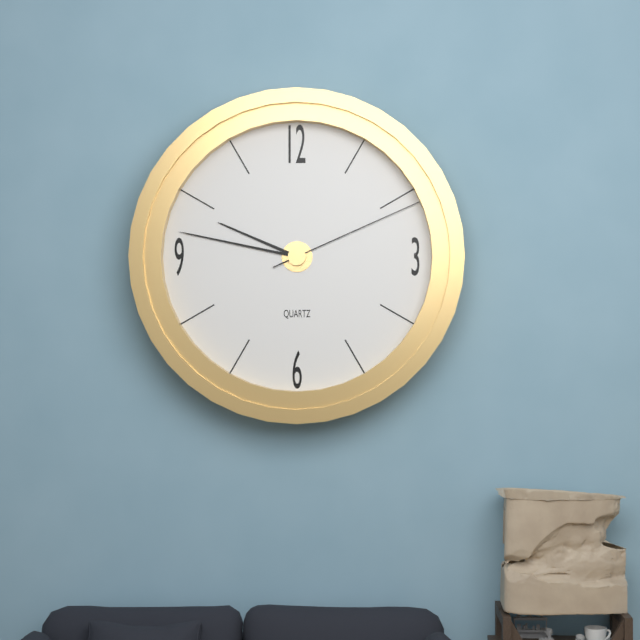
9:47:11
